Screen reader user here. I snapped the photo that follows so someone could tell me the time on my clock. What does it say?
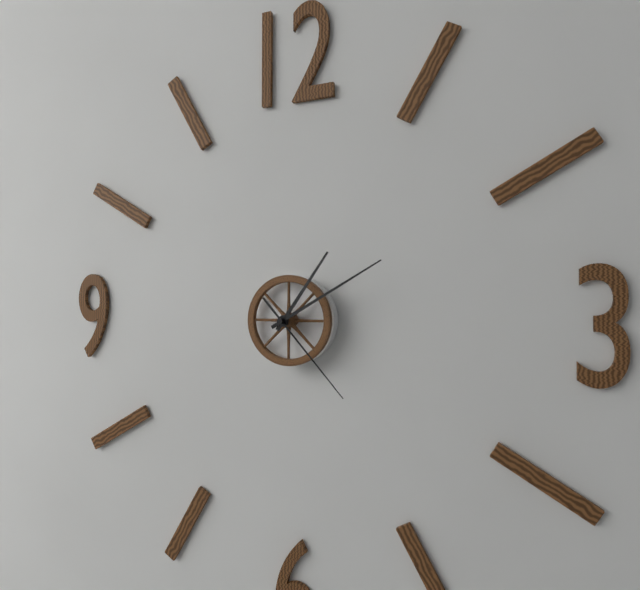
1:10:23
